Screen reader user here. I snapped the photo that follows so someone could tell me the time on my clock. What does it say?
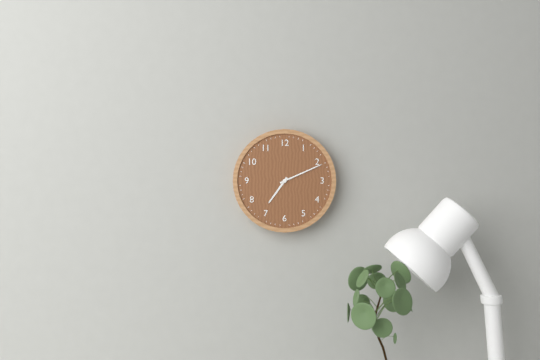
7:11
